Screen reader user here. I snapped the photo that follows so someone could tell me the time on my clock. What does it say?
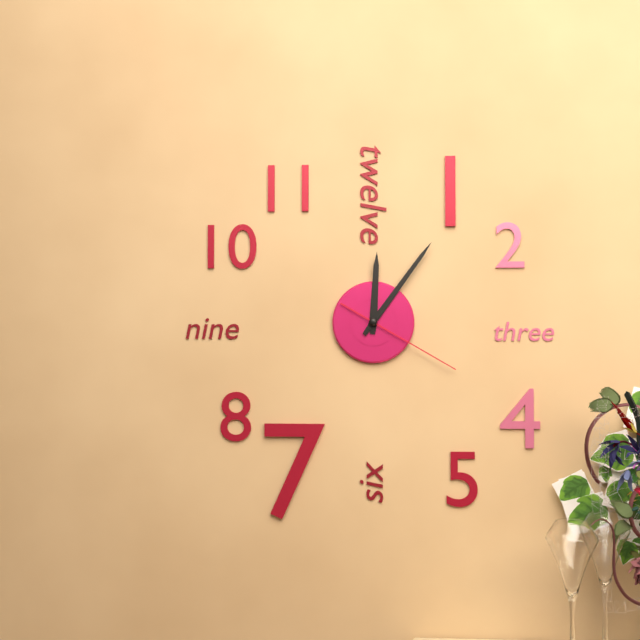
12:06:20
